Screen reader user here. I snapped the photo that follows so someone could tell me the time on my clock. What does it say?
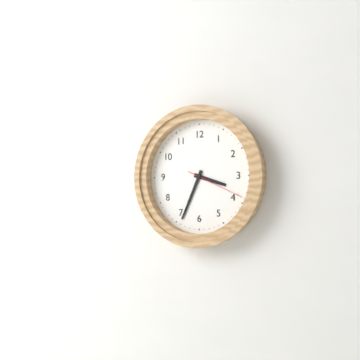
3:34:19
